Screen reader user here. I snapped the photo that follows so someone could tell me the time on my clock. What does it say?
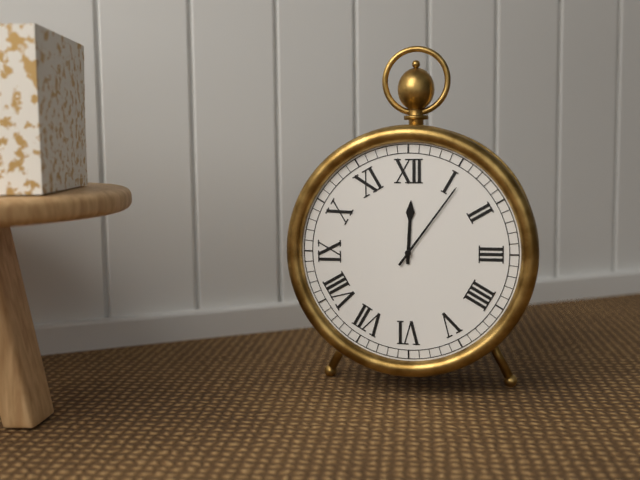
12:06
